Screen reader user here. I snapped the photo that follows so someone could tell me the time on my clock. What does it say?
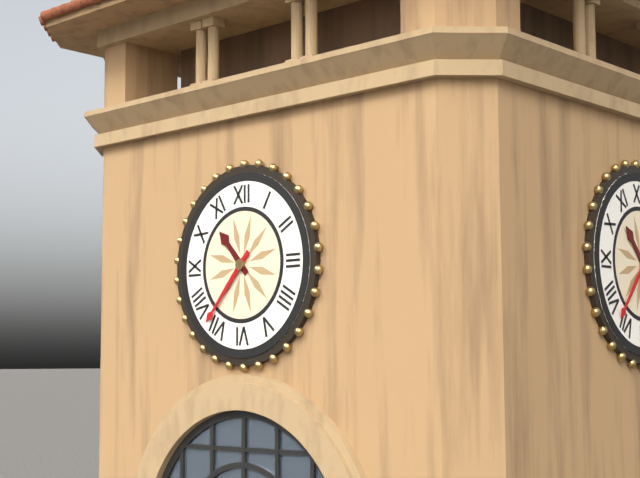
10:37
